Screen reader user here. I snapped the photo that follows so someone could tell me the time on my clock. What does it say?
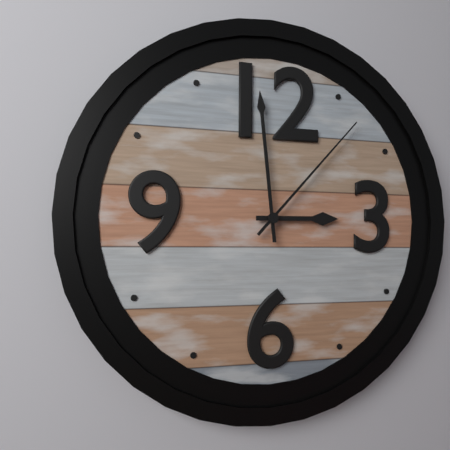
2:59:07
